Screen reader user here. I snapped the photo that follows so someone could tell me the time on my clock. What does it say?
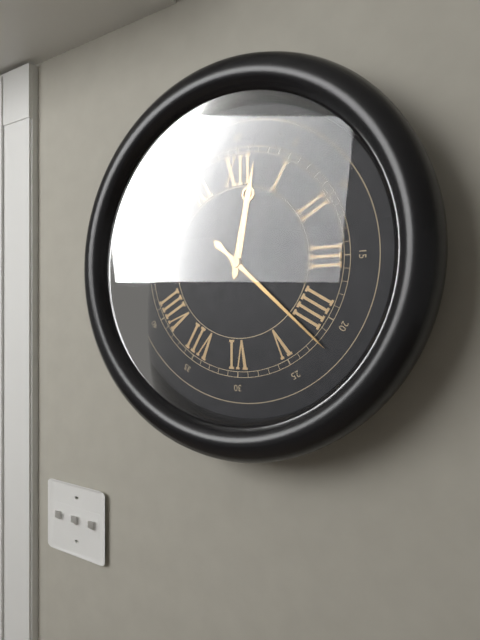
12:22
